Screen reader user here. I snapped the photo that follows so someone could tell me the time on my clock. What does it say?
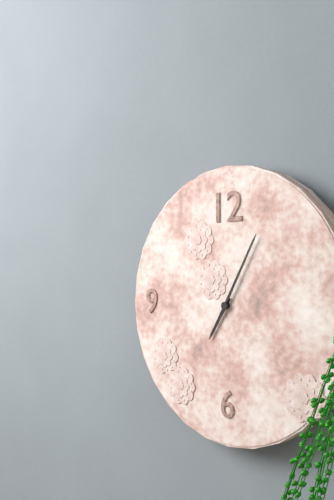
7:05
